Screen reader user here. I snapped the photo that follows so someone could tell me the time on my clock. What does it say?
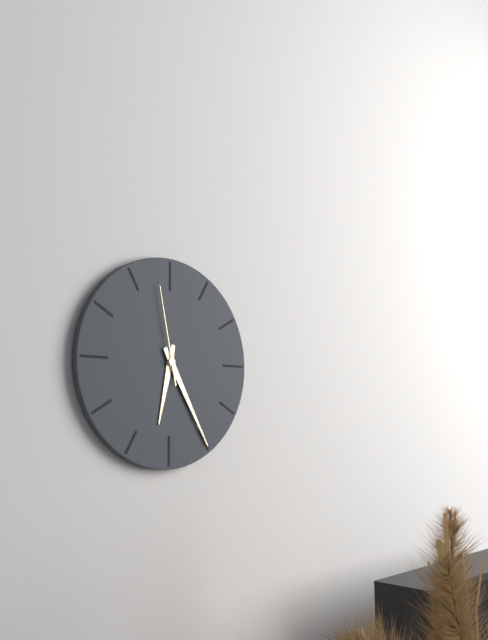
6:25:58
